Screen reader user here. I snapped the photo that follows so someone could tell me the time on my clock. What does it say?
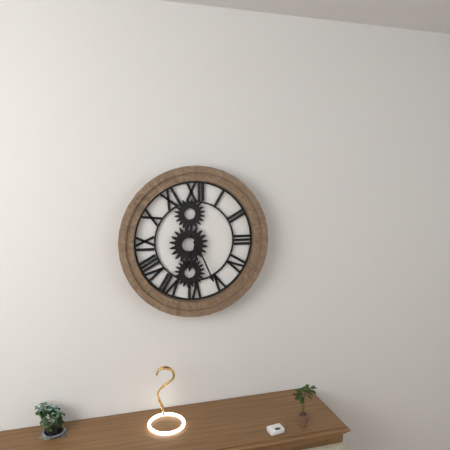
6:26
